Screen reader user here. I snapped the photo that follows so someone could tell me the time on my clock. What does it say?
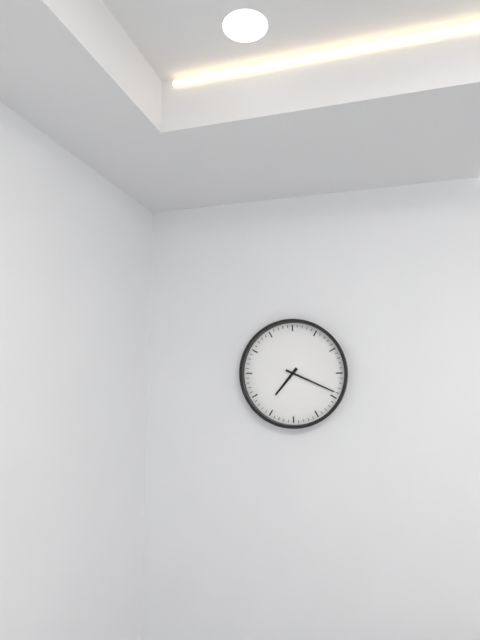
7:19
